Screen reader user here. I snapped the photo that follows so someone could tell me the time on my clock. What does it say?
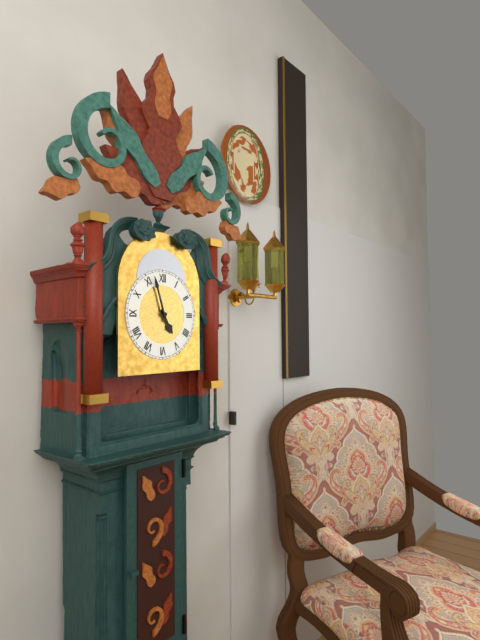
4:57
